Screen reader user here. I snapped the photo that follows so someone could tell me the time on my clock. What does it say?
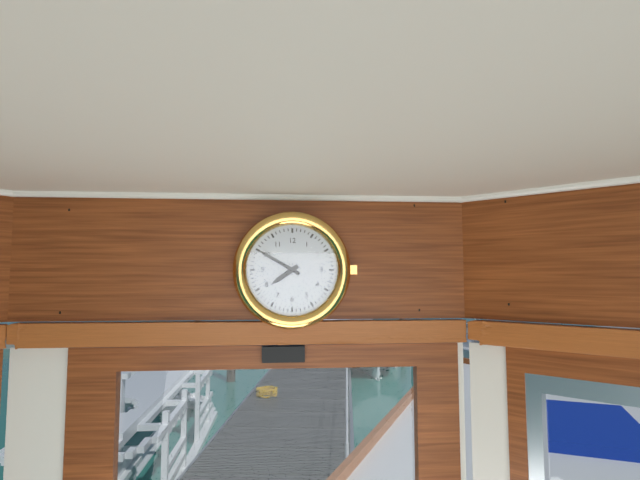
7:50
